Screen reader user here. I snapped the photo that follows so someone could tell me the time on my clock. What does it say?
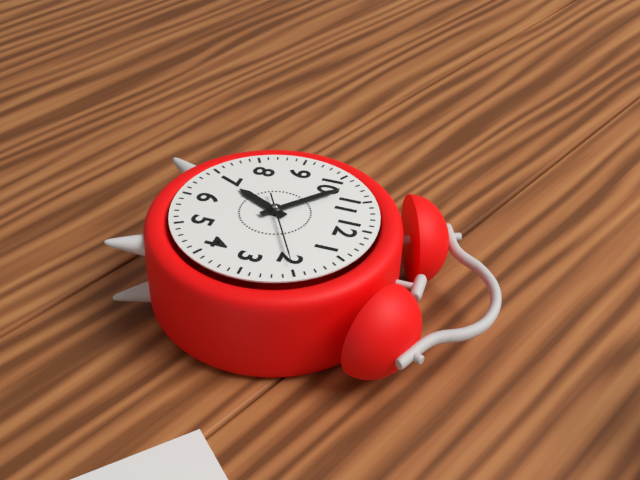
6:52:10
